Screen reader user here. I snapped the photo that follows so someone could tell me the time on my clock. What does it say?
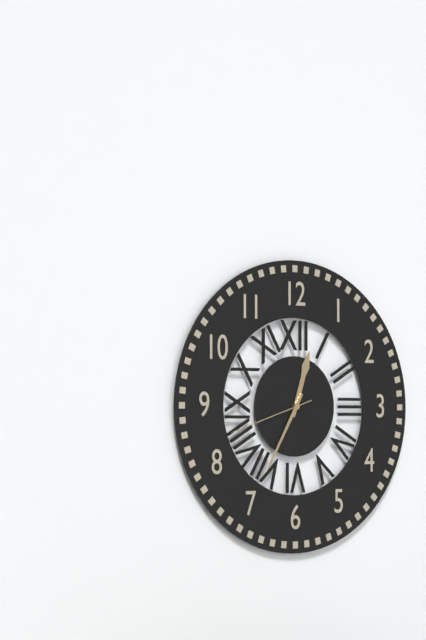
12:35:42
